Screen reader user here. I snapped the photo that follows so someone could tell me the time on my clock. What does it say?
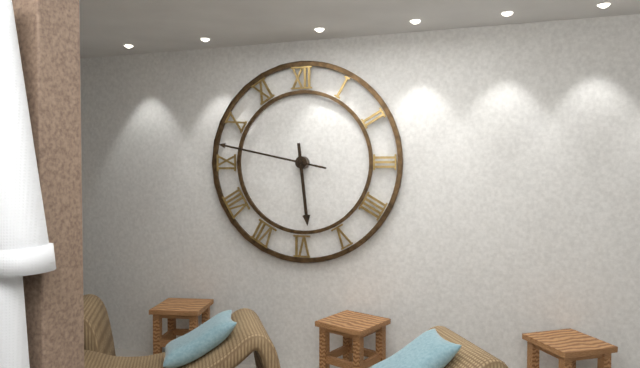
5:47
